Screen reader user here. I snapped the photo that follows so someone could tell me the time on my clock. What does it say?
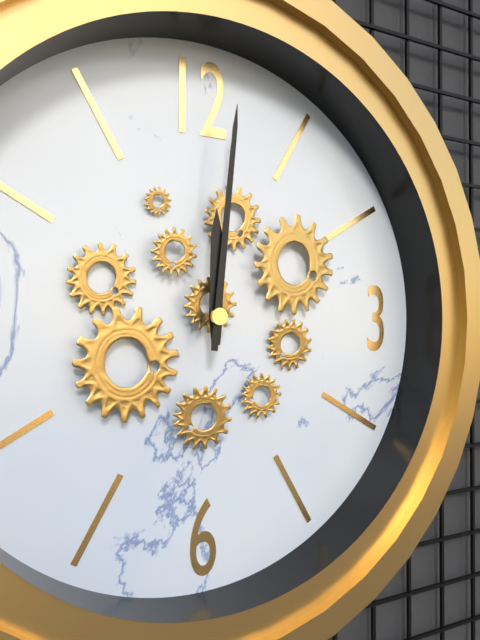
12:01
